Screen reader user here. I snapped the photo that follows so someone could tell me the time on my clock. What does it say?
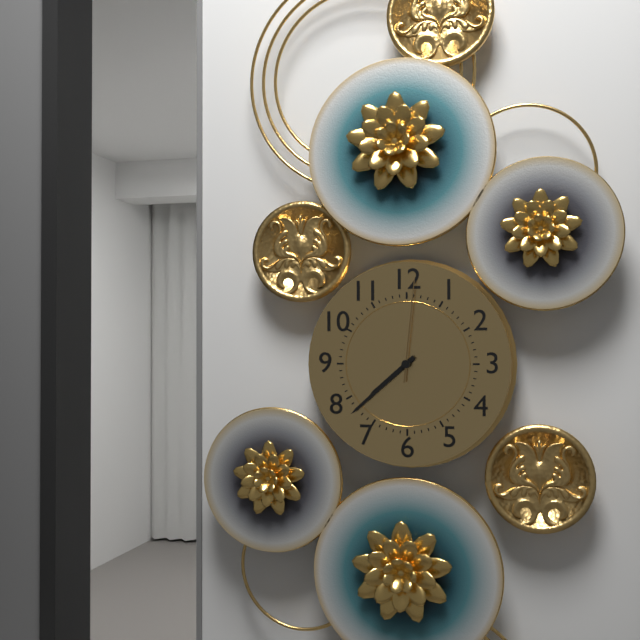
7:38:01
